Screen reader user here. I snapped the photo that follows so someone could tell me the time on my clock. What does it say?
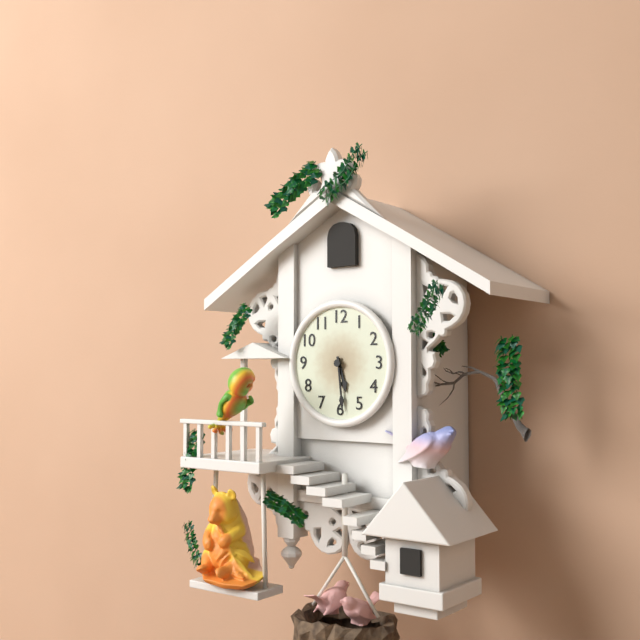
5:29
